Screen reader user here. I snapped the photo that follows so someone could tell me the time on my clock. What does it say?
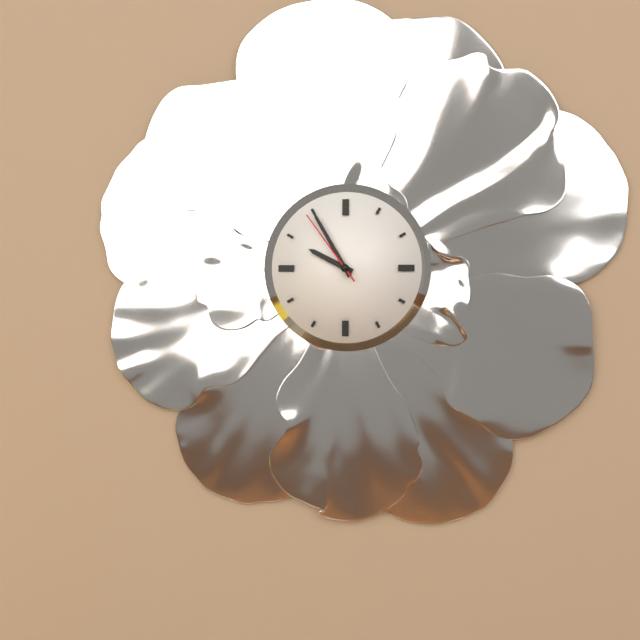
9:55:54
